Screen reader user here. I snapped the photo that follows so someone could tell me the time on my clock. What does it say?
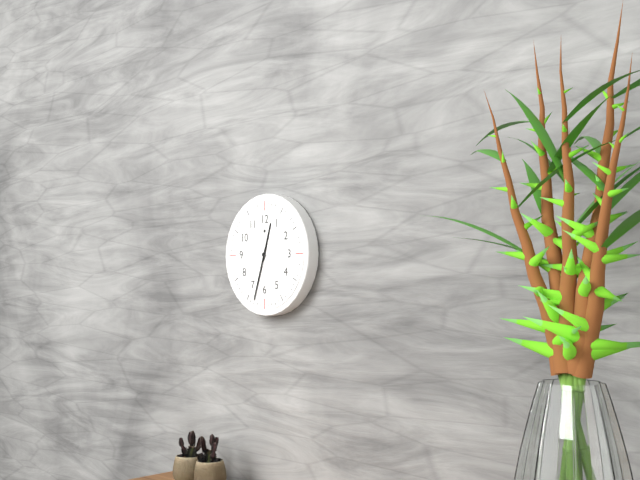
12:33
